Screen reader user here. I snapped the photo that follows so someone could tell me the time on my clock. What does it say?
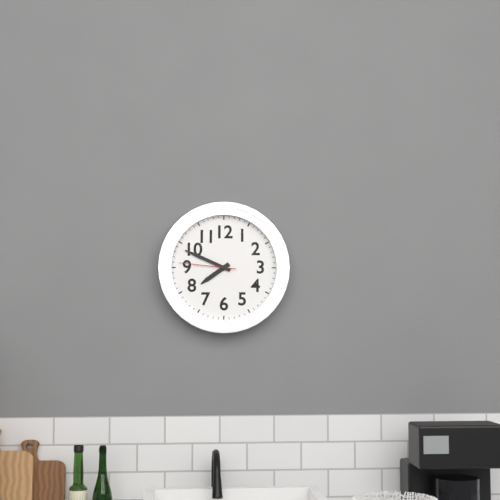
7:49:46
